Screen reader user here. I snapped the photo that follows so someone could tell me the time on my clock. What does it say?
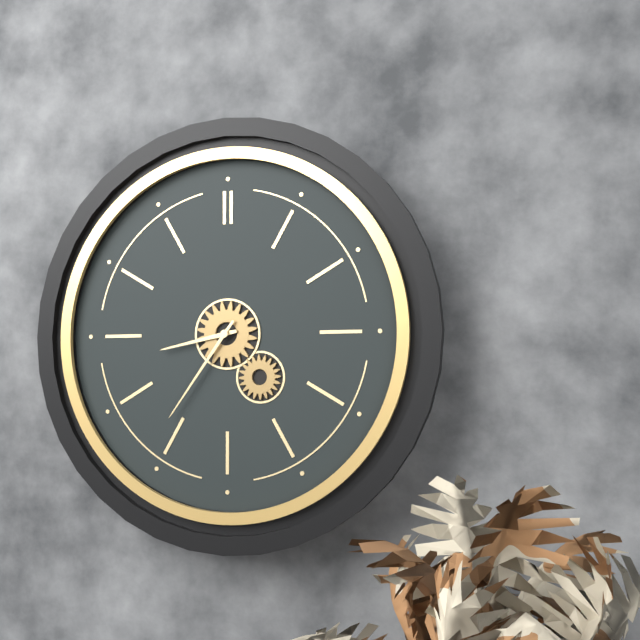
8:36
